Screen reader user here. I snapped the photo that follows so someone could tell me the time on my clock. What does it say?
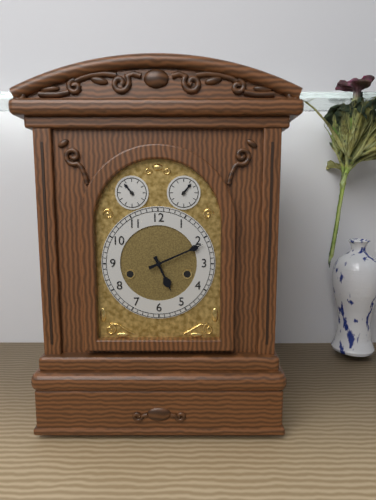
5:11
